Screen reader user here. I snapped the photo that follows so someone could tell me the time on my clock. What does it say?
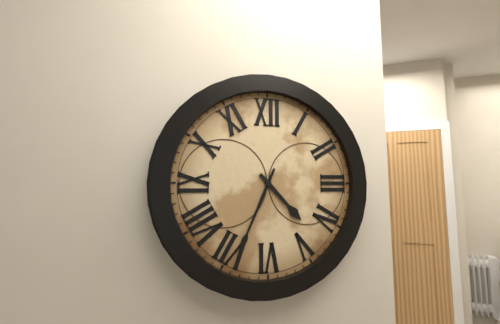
4:34
